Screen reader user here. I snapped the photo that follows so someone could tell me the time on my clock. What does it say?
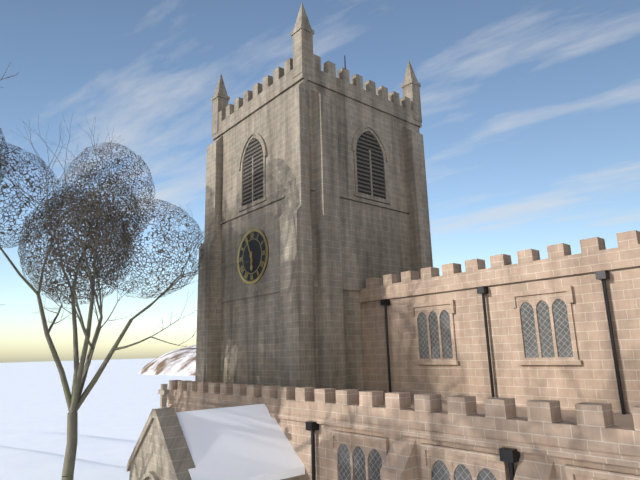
5:56
